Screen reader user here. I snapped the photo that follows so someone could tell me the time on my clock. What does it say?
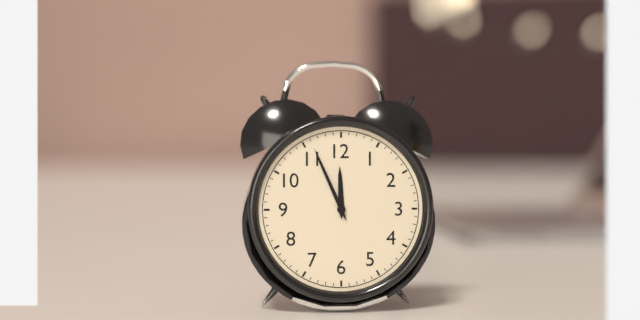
11:56
